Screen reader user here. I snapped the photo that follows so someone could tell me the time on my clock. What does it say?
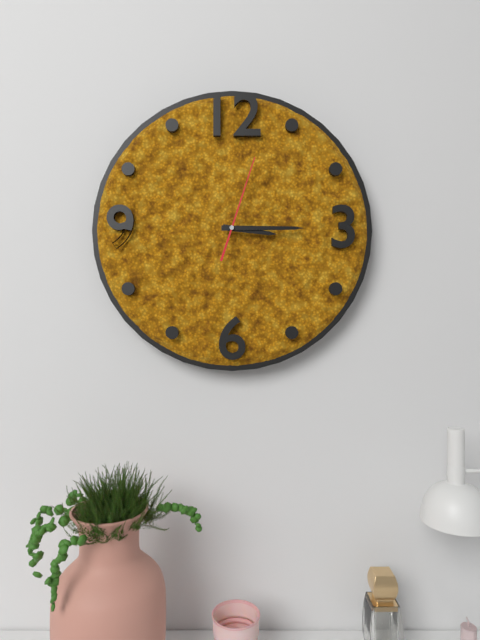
3:15:03
